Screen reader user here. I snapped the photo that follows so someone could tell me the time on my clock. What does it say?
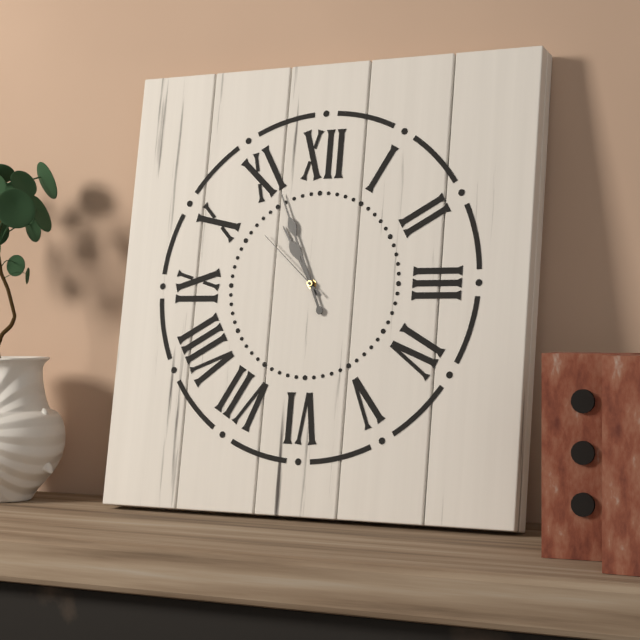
10:56:52
